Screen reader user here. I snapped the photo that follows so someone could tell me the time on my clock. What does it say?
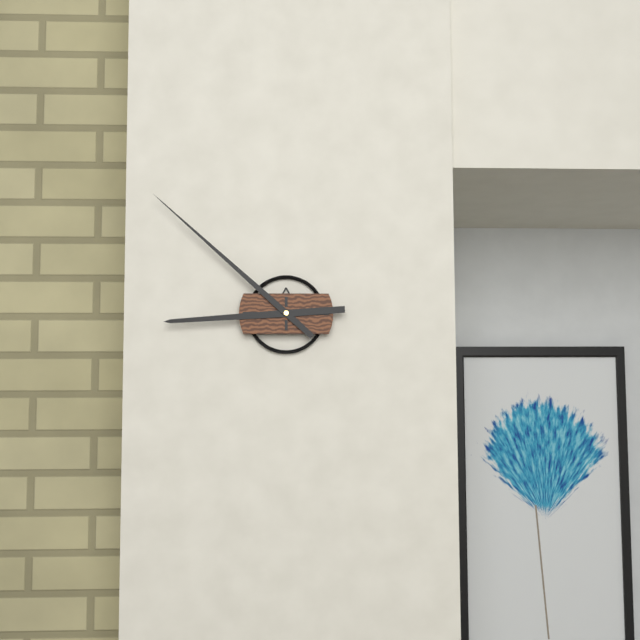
8:52
